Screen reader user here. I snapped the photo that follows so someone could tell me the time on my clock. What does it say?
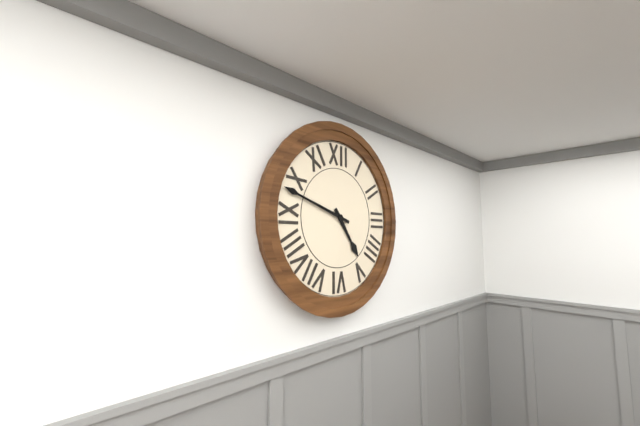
4:48
